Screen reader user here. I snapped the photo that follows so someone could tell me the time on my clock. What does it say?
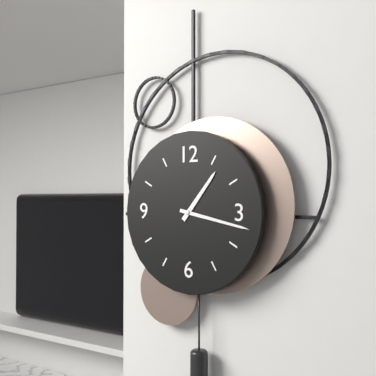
1:17
